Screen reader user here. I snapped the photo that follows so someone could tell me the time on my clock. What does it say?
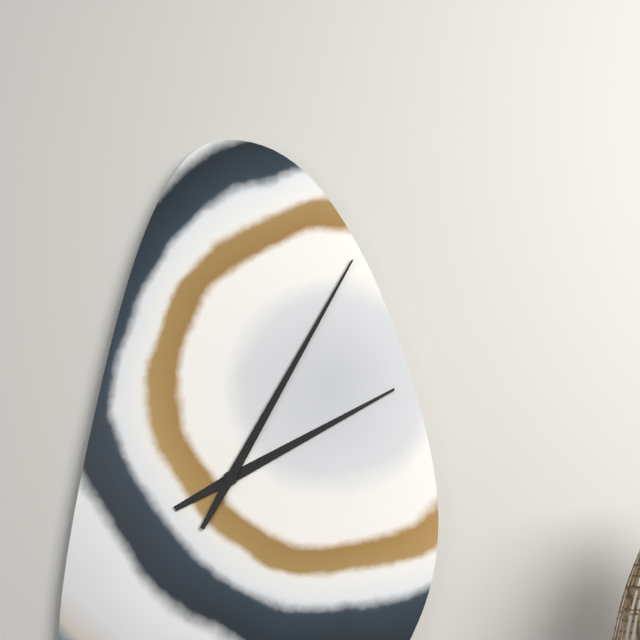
2:05
